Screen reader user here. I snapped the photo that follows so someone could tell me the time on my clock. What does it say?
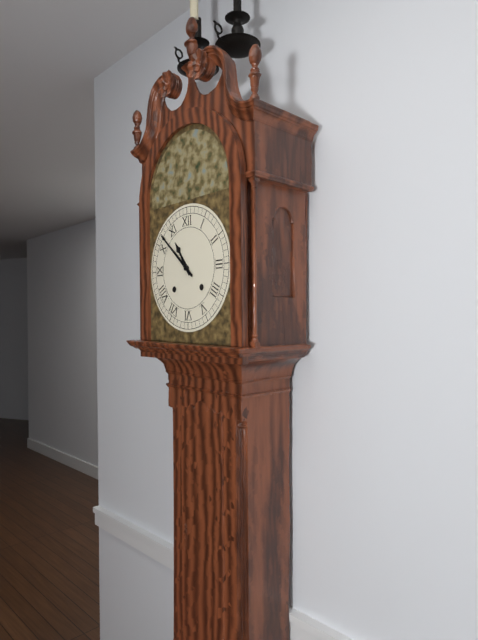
10:52
